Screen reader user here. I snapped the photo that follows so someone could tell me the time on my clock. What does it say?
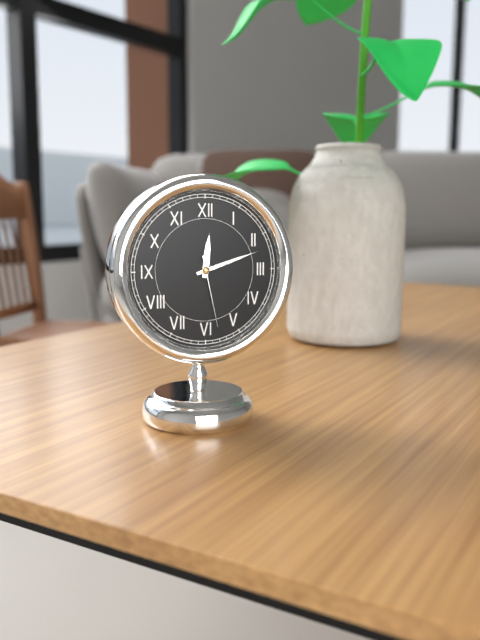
12:12:28
